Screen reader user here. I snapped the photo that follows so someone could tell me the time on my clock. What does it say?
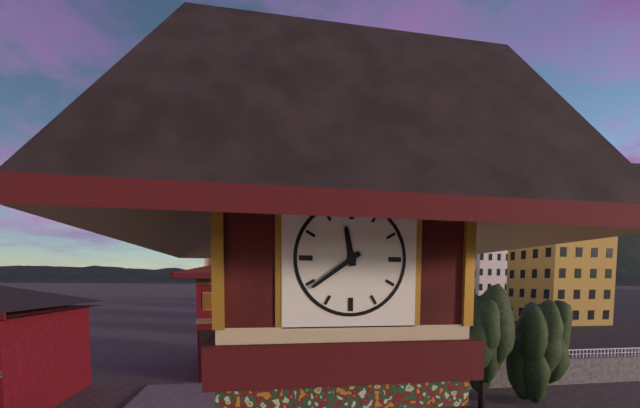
11:39
